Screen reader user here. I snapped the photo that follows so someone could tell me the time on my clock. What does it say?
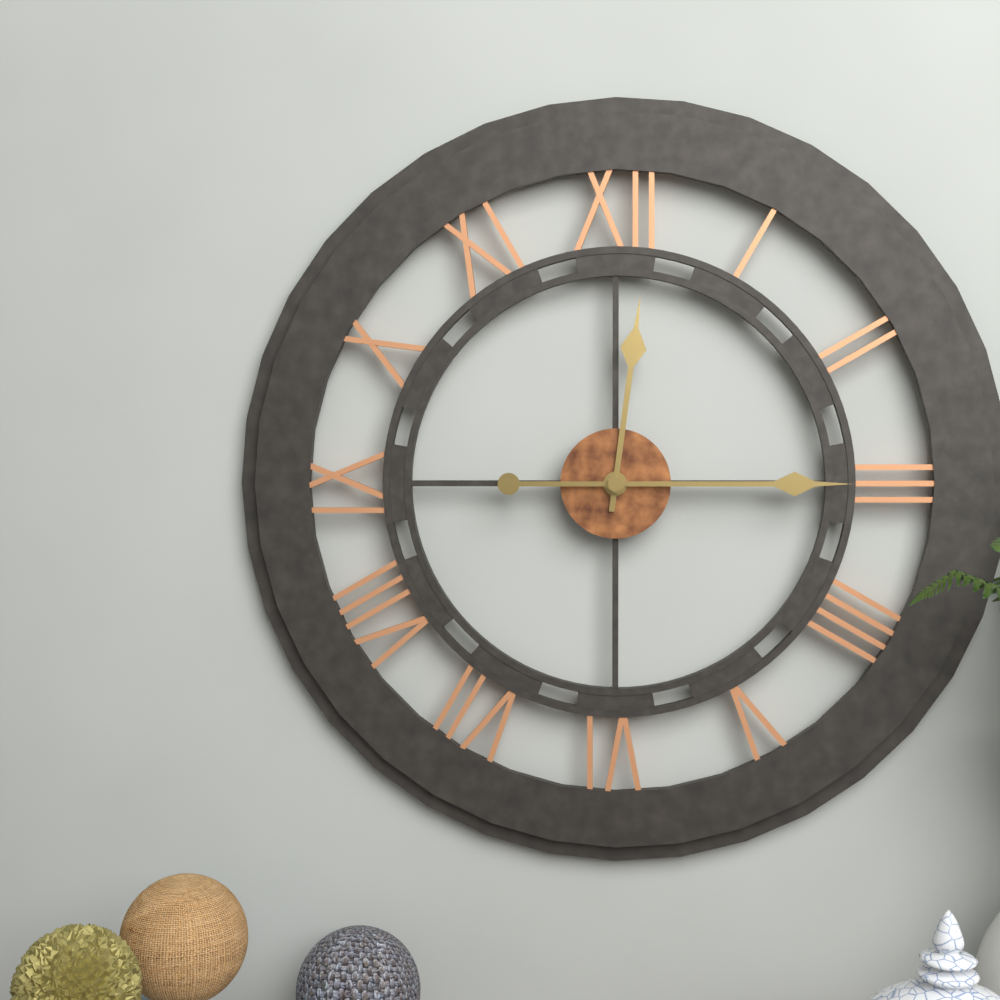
12:15
